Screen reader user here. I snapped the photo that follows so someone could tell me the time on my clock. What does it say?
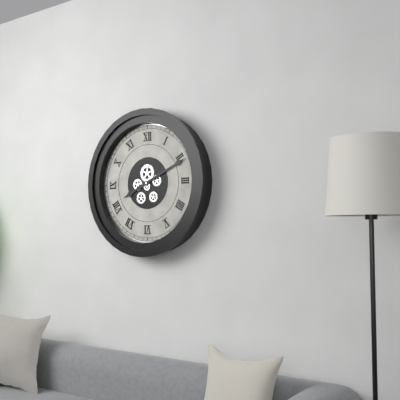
8:11
